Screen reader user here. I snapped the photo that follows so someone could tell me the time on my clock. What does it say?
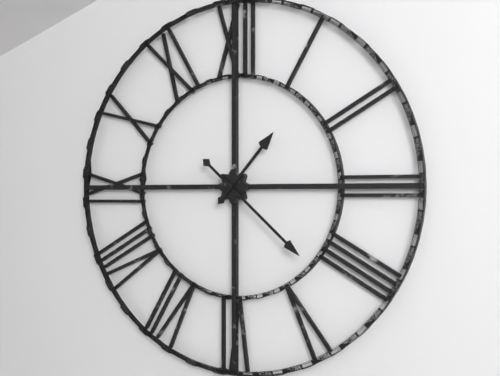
1:22
